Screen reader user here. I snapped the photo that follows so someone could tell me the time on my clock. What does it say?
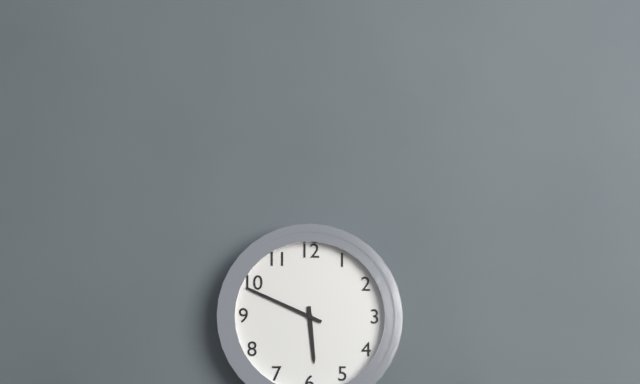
5:49
